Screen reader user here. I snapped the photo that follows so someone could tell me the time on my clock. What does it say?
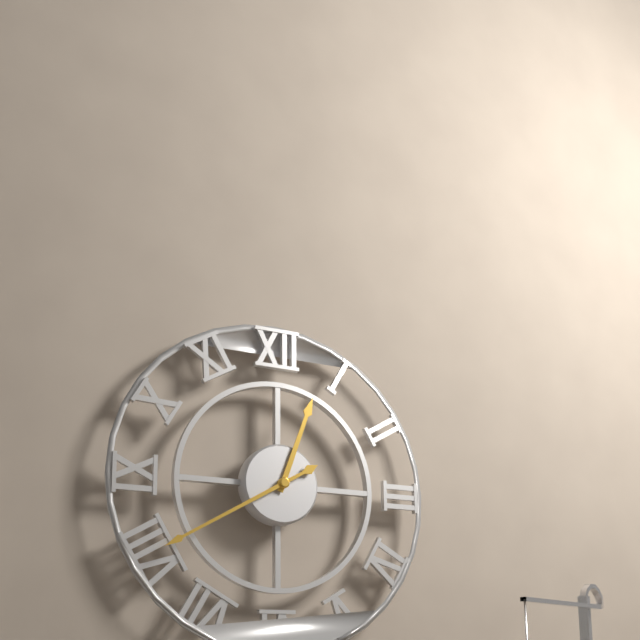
12:40
